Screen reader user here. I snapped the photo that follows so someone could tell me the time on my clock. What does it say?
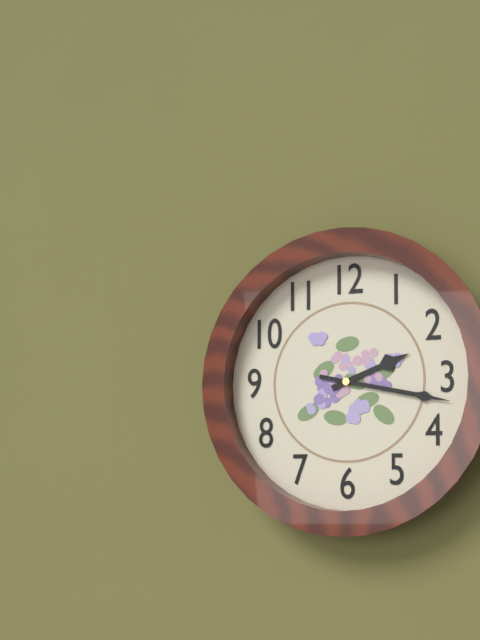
2:17
